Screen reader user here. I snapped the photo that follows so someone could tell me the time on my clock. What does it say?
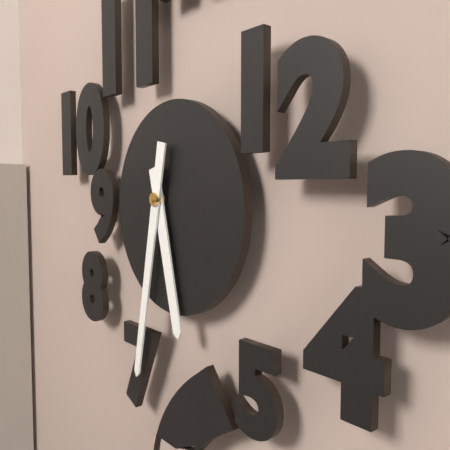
5:32
